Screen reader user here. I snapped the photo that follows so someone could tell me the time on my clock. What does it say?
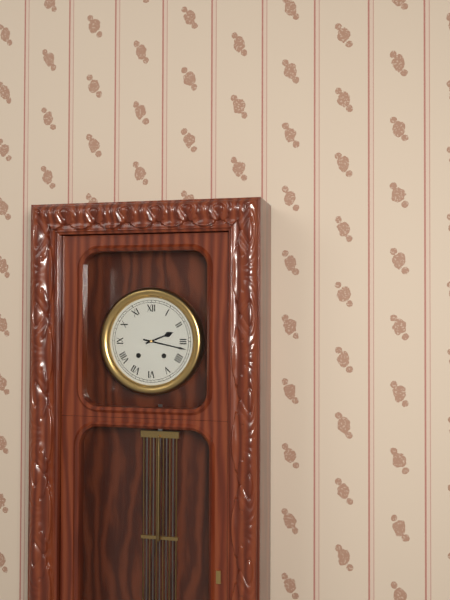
2:17
